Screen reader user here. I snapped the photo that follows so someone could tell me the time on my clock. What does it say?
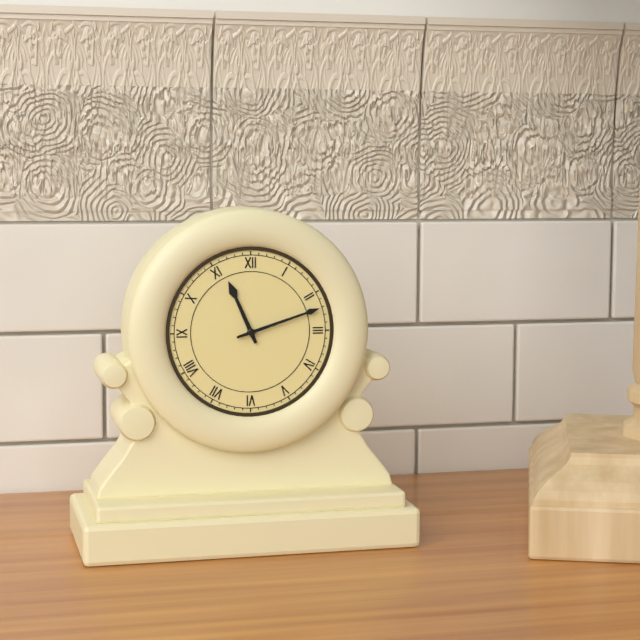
11:12
